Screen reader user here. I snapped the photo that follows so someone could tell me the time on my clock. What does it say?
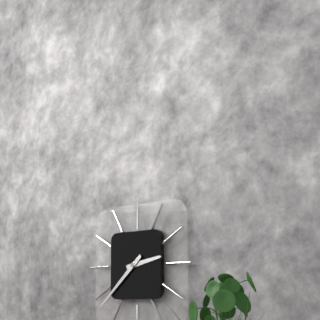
2:38
